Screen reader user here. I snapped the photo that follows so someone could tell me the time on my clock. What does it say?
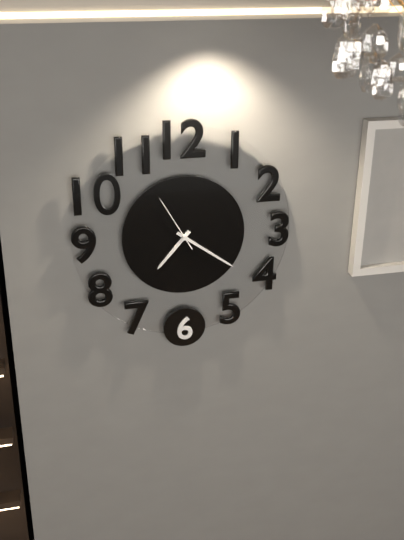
7:21:55
